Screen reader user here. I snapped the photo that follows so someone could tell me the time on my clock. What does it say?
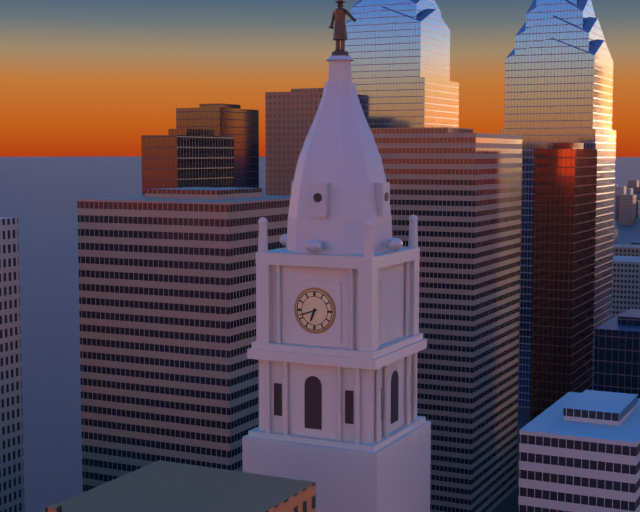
6:42
